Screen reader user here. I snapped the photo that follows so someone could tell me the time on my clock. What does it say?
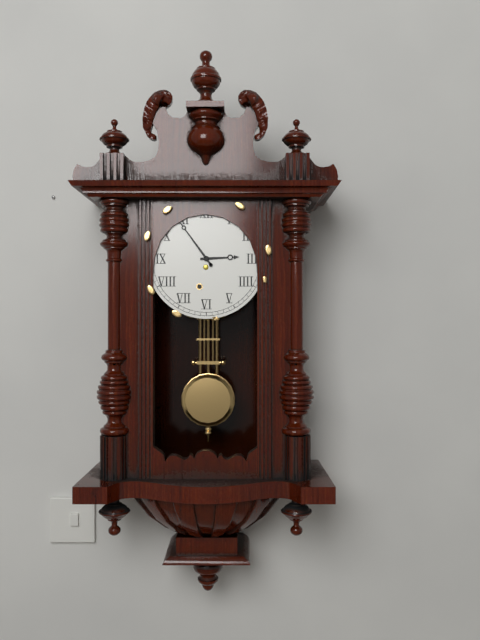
2:54
